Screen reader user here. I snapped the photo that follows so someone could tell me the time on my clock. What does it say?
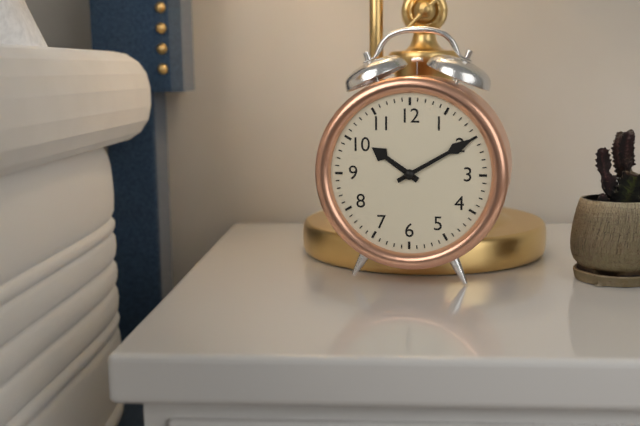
10:10
